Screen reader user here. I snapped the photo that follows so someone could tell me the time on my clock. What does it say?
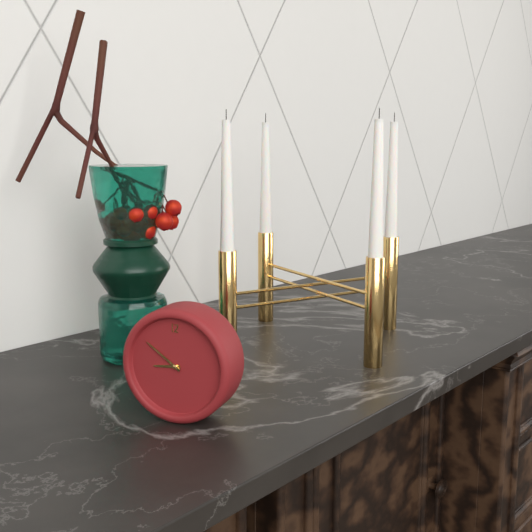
8:51
